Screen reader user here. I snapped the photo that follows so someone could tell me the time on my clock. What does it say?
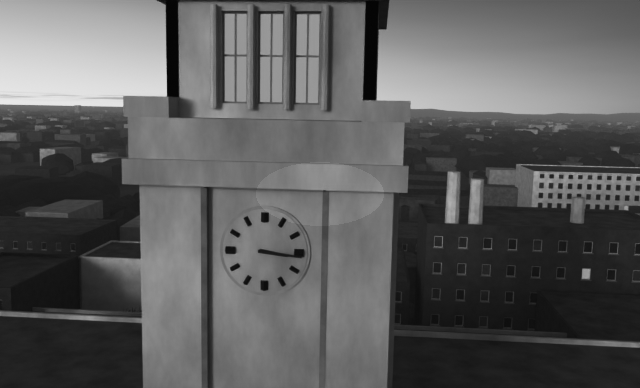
3:16
